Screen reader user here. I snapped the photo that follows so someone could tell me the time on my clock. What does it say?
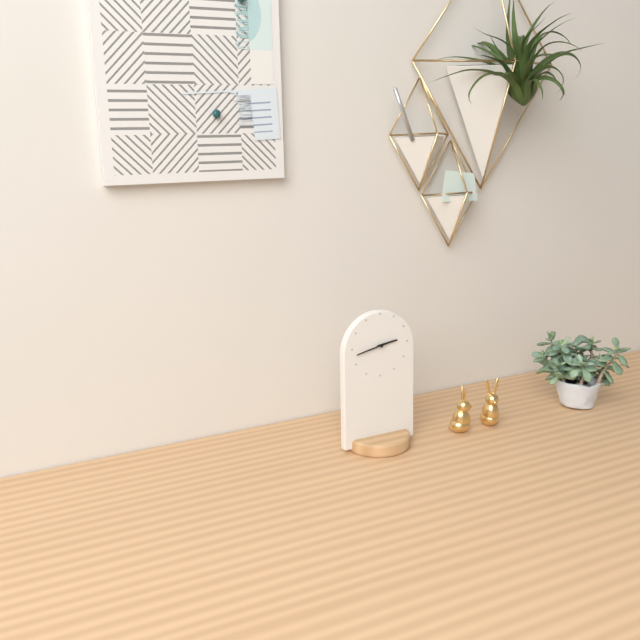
2:43
